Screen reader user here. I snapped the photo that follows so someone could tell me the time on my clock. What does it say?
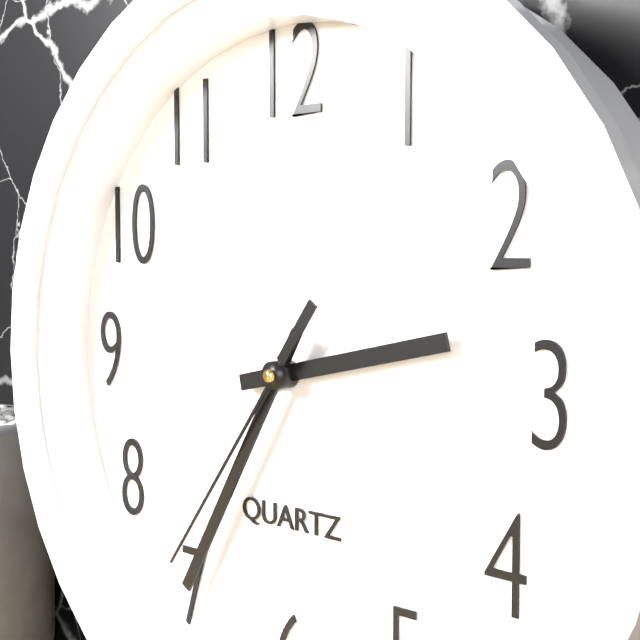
2:35:36
